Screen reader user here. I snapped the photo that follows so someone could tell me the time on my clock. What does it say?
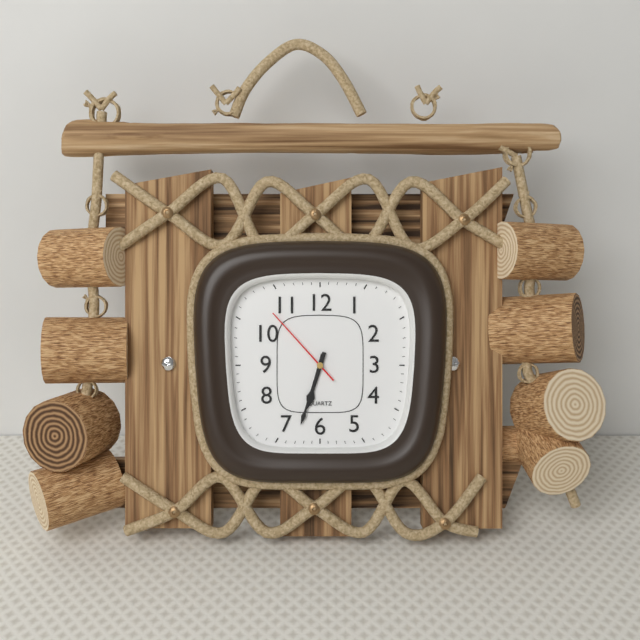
6:33:53
